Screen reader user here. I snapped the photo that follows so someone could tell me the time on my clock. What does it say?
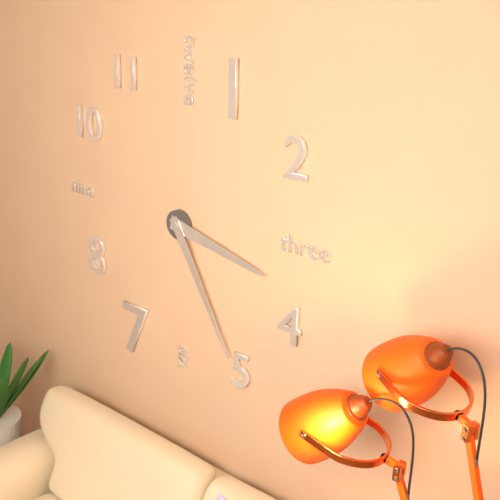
3:25
